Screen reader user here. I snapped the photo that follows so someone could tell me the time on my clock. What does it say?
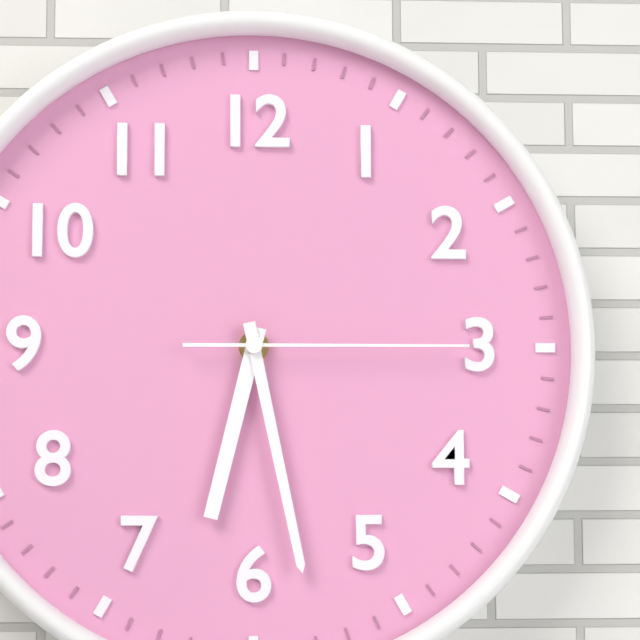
6:28:15
